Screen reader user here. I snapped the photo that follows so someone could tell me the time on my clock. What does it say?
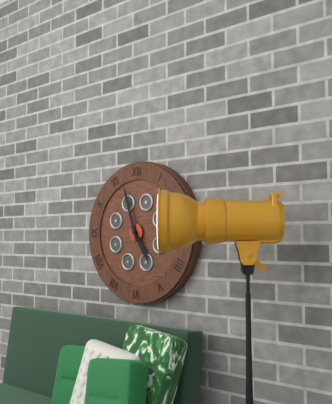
4:57
